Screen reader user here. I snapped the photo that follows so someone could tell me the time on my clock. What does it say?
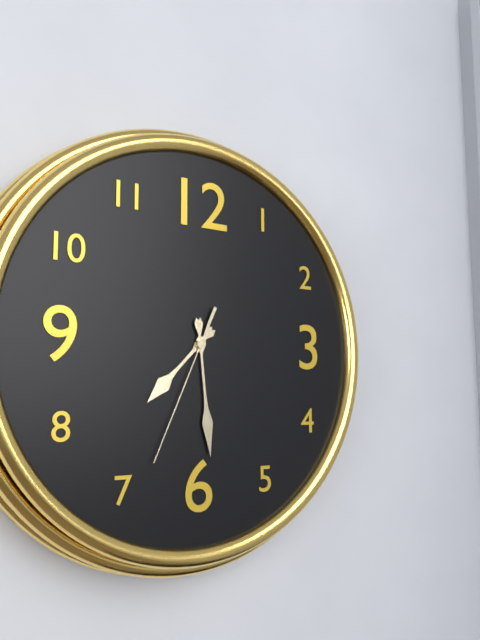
7:29:34
